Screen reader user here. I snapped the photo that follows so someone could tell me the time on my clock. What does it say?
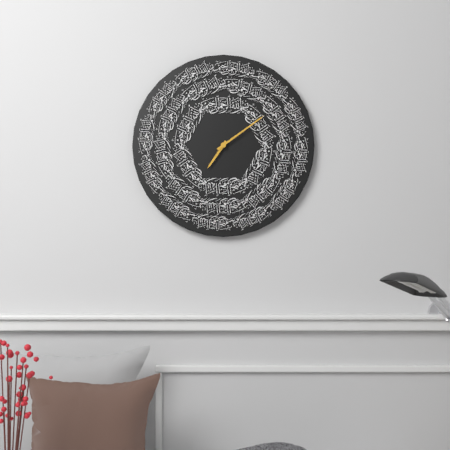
7:09
